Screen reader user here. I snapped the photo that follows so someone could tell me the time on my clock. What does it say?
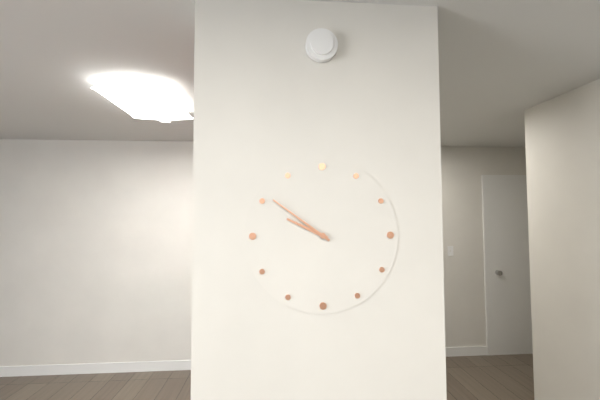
9:51
